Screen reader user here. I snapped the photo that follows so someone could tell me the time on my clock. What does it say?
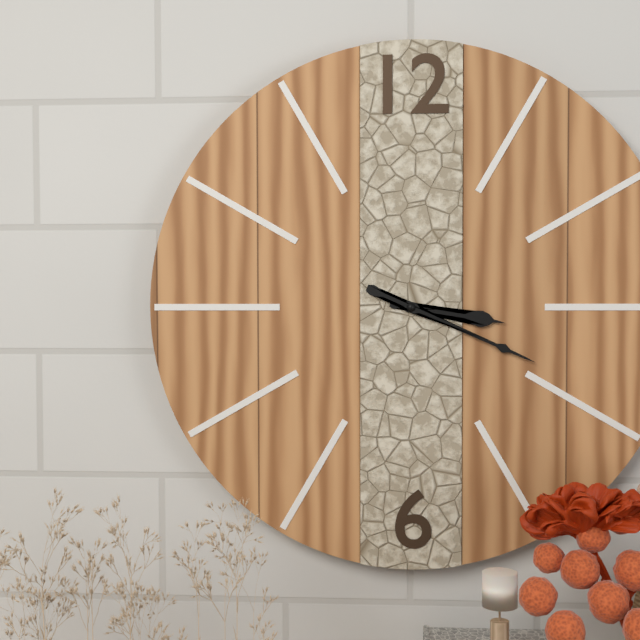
3:19
